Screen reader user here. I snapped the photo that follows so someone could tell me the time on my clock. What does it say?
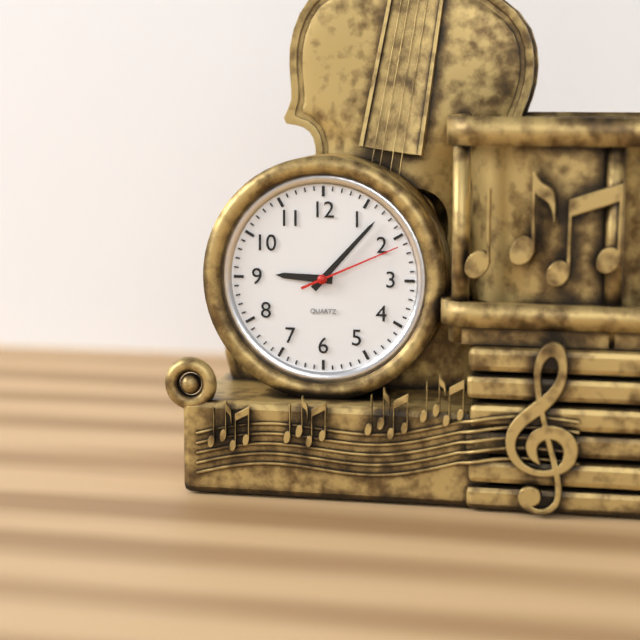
9:07:11
